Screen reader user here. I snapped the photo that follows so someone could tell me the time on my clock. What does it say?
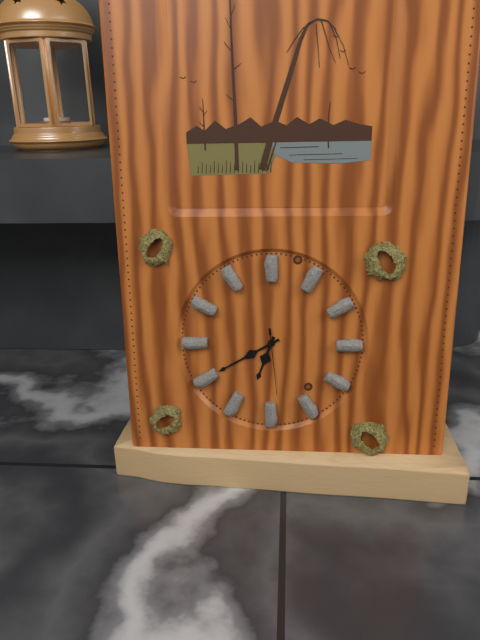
6:40:29
